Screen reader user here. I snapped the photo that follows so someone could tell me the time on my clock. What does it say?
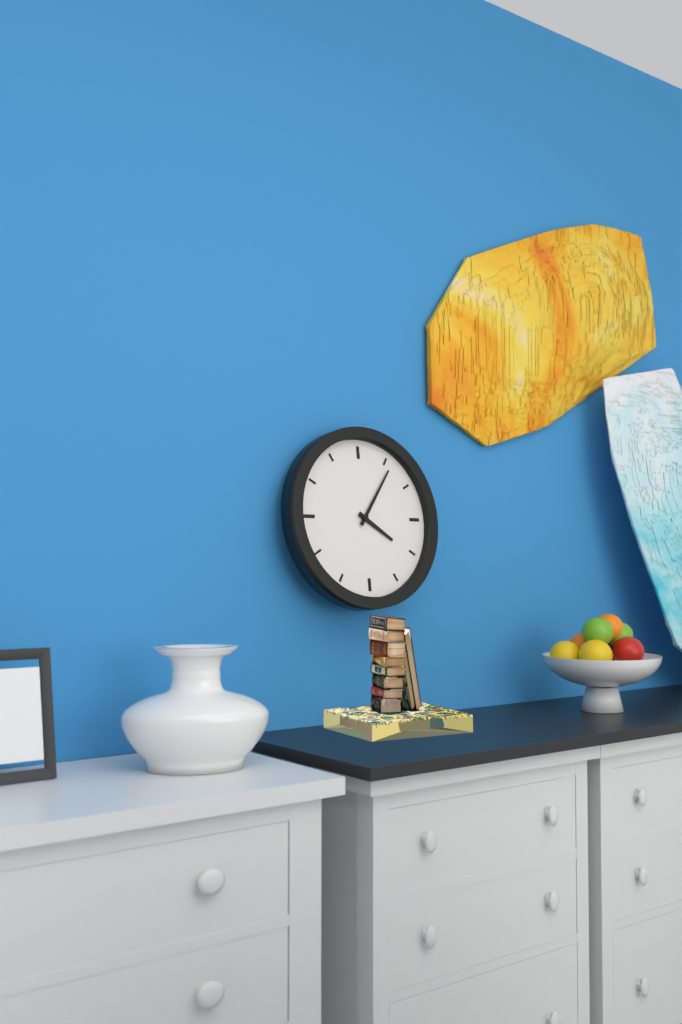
4:06
